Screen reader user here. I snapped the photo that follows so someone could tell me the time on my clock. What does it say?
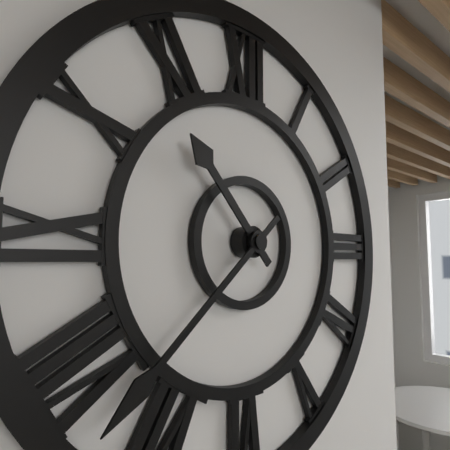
10:38
